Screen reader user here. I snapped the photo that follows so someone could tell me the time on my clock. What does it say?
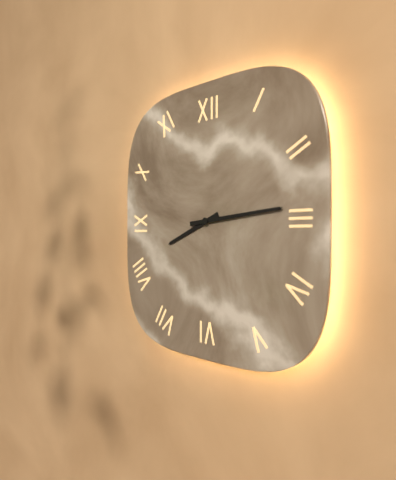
8:14
